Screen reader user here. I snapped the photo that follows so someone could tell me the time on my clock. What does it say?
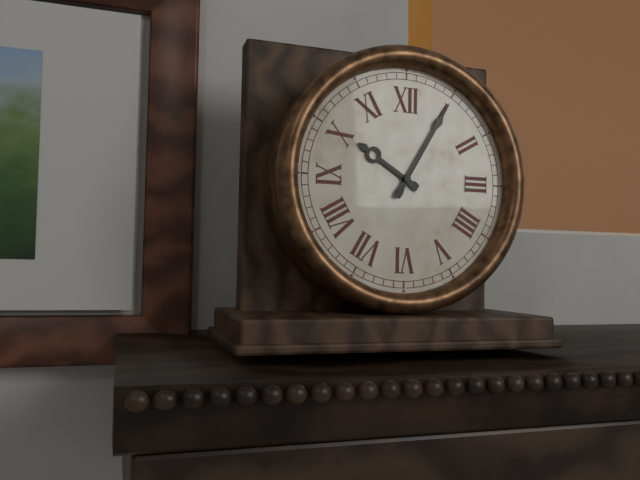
10:05
